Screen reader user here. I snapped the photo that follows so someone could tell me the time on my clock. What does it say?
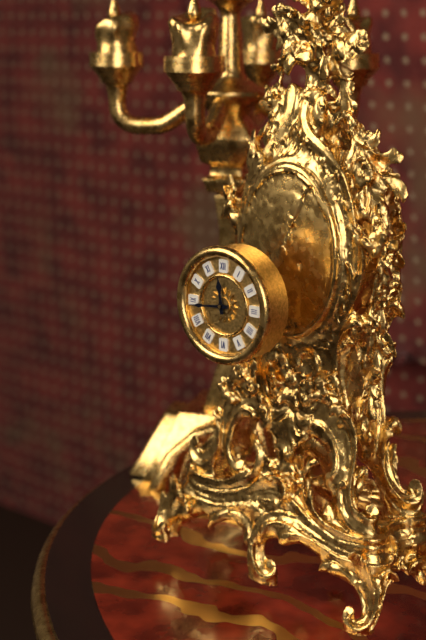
11:44
